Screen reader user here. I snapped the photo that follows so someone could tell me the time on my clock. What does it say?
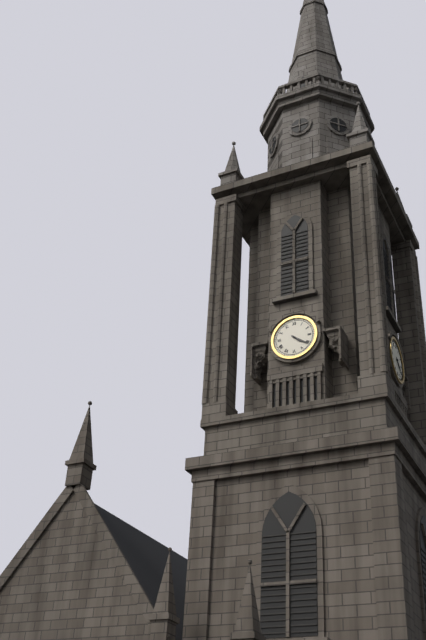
4:21
